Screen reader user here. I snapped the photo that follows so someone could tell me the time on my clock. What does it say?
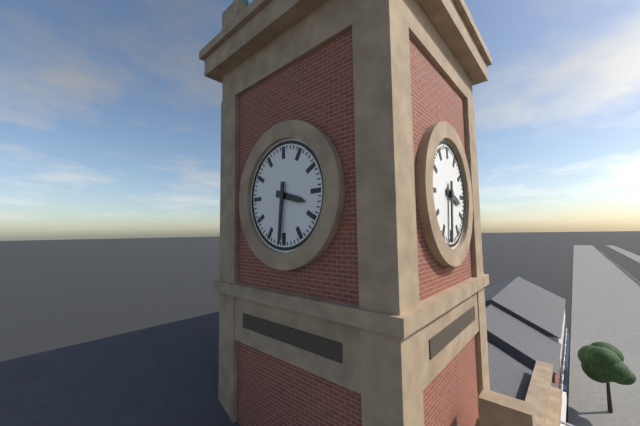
3:31
